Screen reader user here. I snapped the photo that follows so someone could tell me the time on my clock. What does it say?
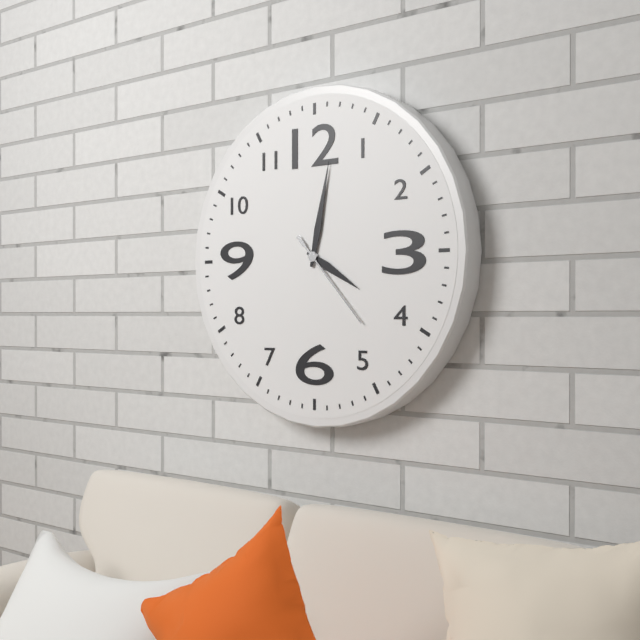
4:02:23
